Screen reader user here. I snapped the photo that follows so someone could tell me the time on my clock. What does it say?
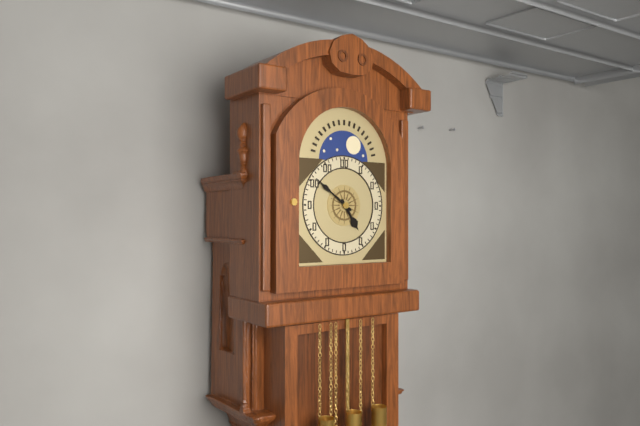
4:51
